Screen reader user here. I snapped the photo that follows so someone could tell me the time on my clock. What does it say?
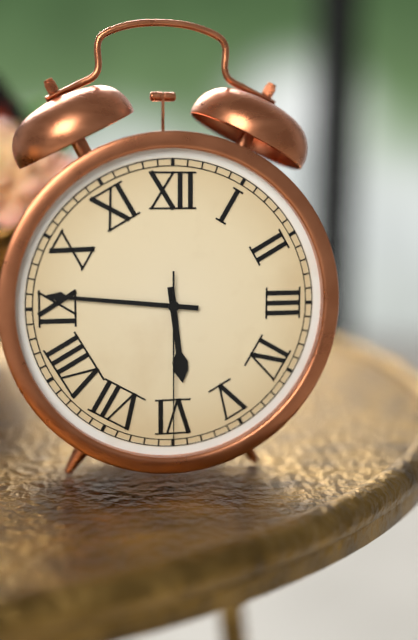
5:46:30
